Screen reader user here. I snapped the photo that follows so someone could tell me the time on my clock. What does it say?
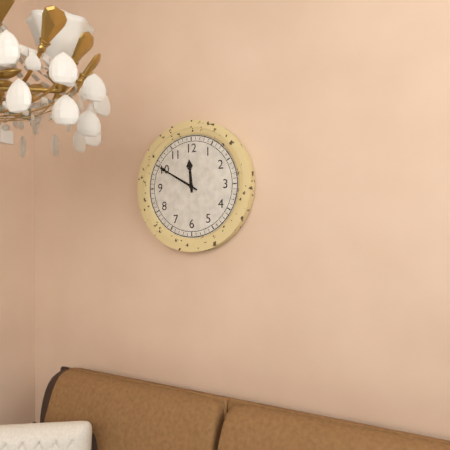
11:50
